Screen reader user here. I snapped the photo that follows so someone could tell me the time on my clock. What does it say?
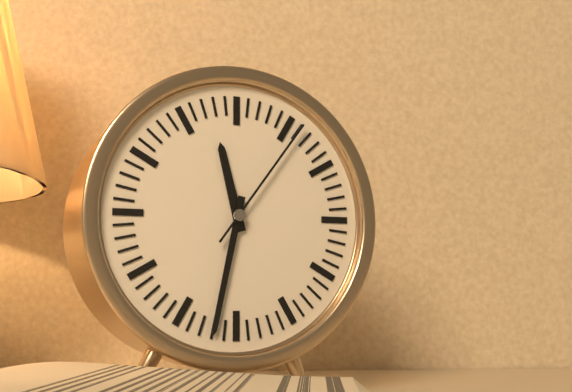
11:32:06
